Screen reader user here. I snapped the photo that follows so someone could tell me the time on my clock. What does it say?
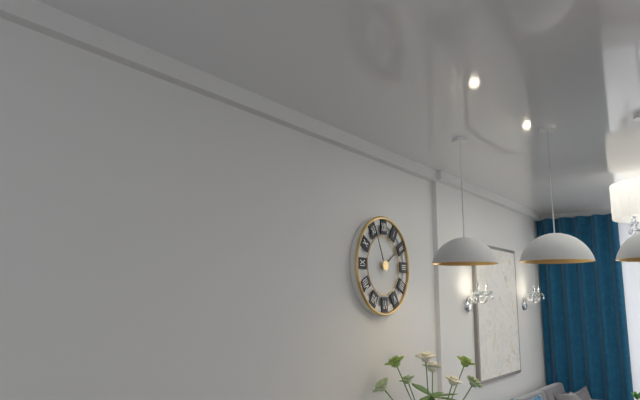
1:56
